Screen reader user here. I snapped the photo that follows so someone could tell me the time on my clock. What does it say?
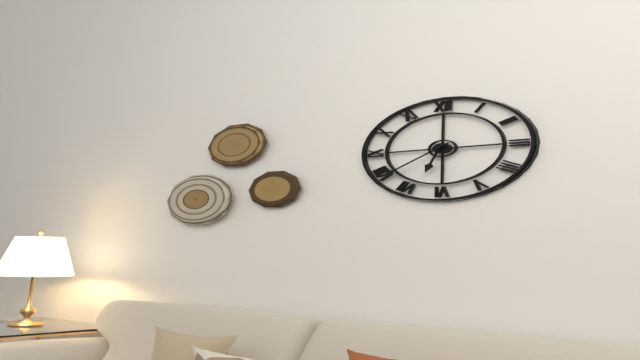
6:39
